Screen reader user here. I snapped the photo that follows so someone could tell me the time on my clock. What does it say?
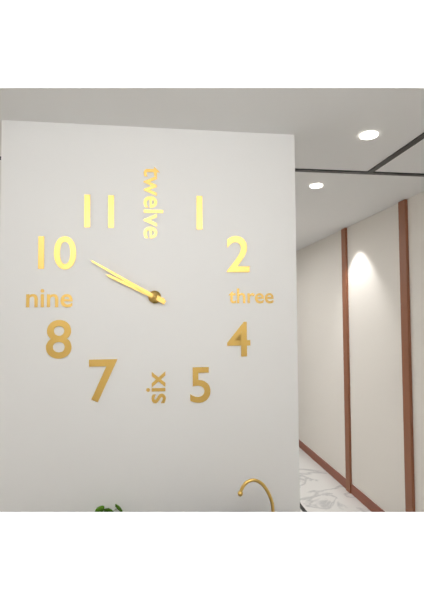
9:50
